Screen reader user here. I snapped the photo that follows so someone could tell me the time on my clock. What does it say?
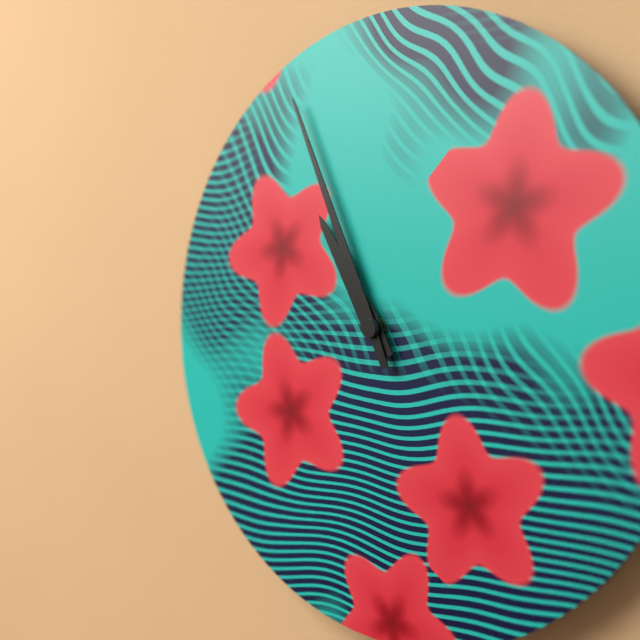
10:56
